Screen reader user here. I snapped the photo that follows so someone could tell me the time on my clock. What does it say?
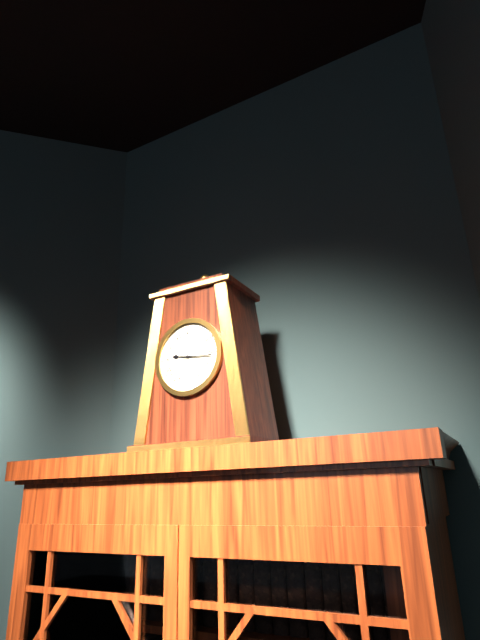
9:16
